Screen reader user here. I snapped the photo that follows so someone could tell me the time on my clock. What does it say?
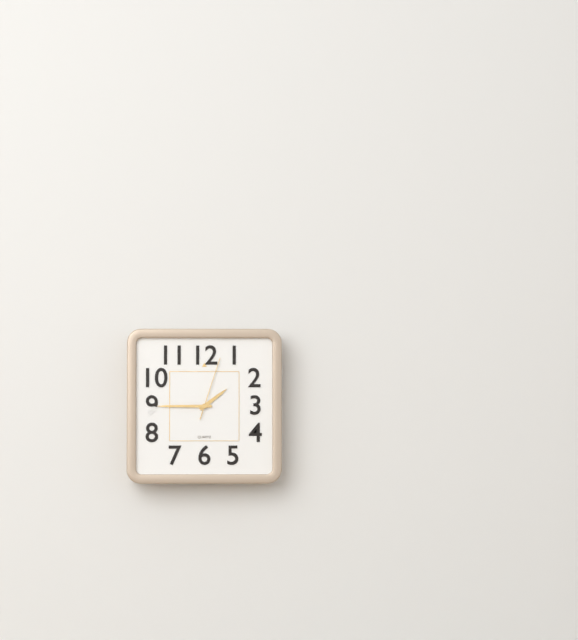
1:45:03
